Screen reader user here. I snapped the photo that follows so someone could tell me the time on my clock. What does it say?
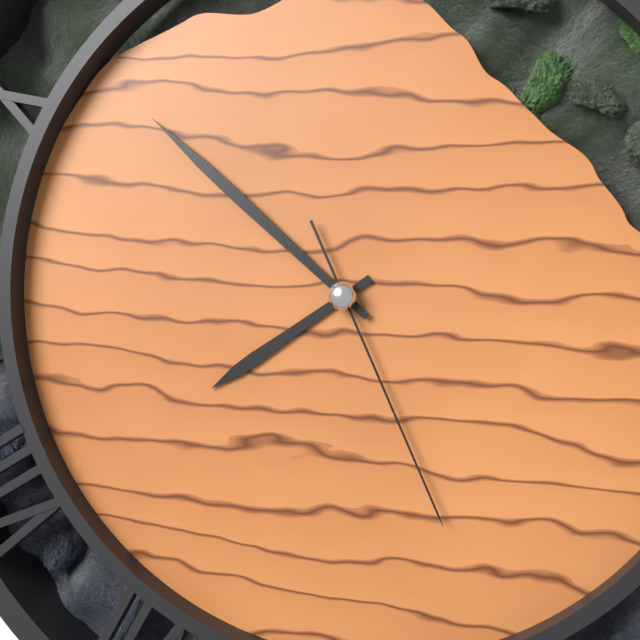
7:52:26
